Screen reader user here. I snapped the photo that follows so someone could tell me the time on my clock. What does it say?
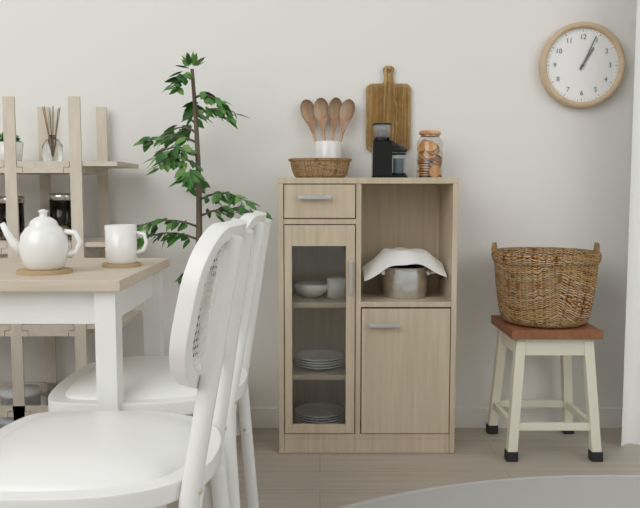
1:04
